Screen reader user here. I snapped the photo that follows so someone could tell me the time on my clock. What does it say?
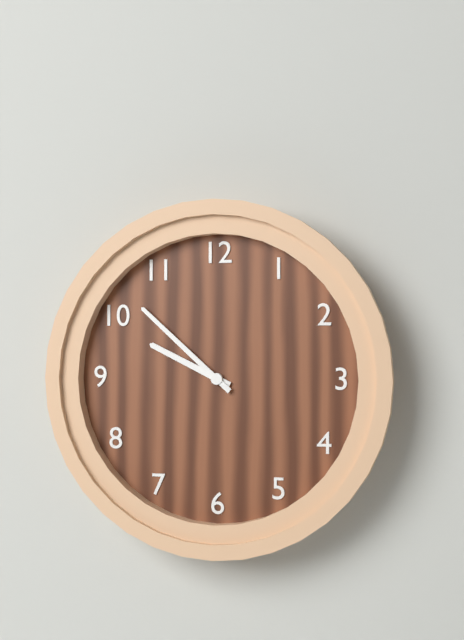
9:52
